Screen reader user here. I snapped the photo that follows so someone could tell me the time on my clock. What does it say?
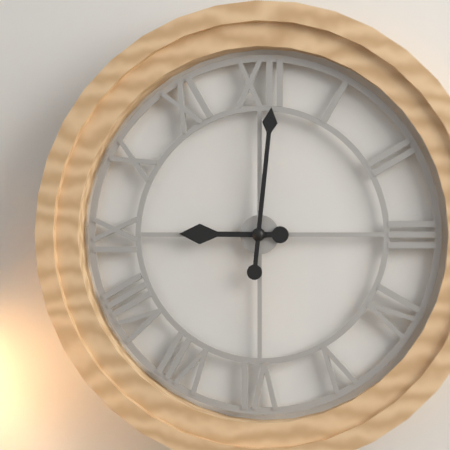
9:01
